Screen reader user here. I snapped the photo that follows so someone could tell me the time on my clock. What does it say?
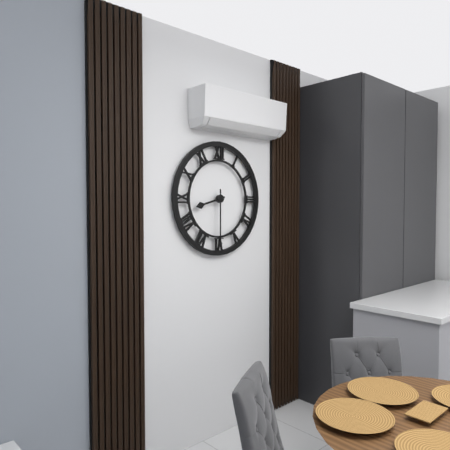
8:30
